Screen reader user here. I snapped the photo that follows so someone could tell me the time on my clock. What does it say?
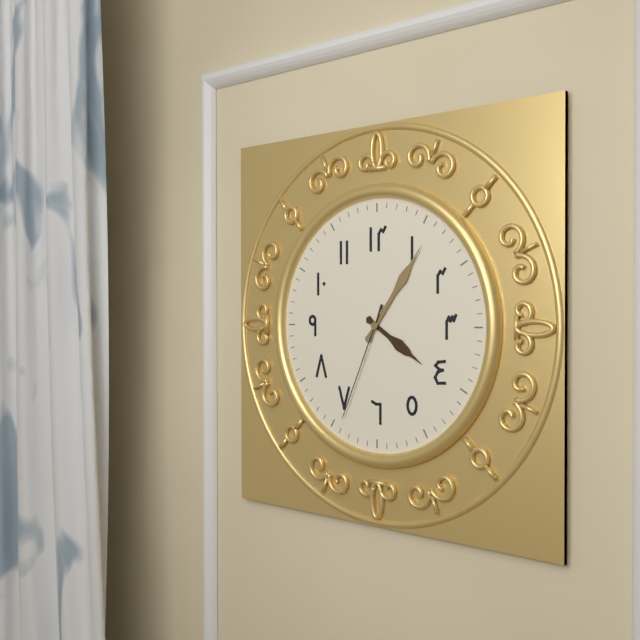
4:06:34
